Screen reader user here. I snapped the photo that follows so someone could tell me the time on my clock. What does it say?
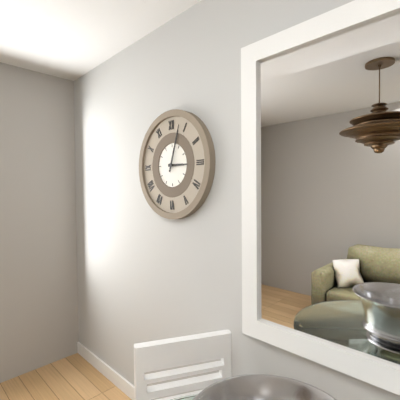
3:03
